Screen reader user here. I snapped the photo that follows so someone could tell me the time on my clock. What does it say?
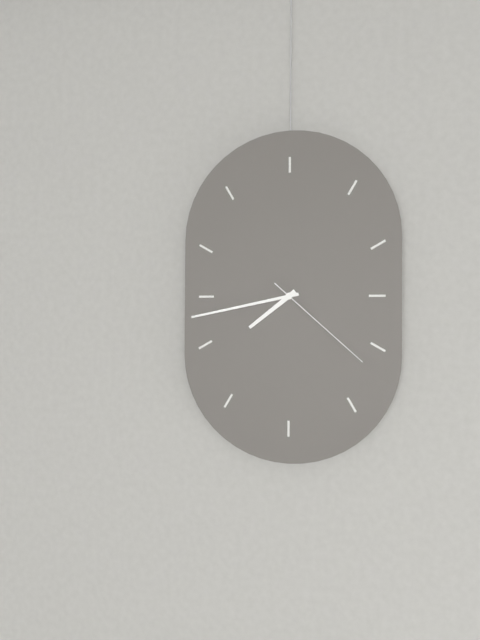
7:43:22
